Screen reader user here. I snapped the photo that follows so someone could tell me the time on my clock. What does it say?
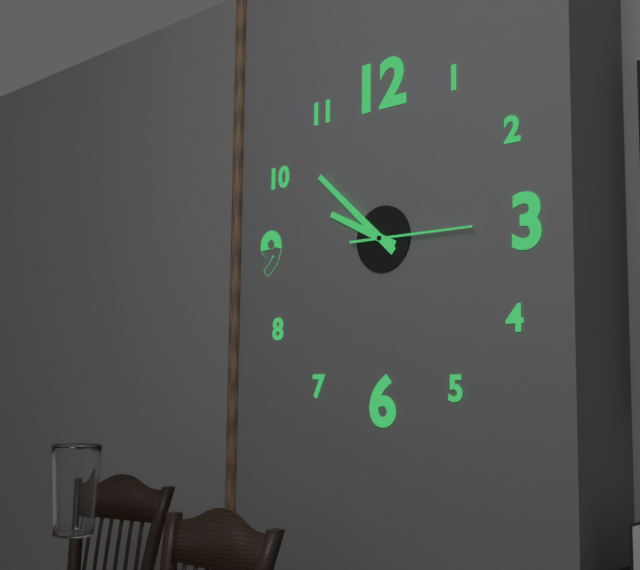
9:52:15
